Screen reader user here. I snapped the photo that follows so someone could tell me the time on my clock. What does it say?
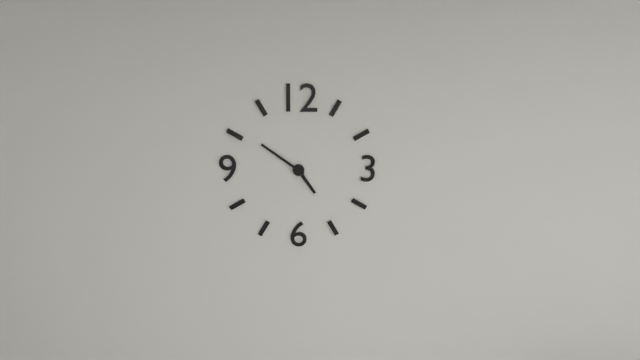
4:51
